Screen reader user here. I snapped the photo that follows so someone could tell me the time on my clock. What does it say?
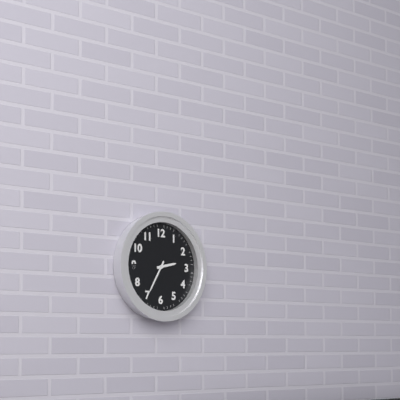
2:35
